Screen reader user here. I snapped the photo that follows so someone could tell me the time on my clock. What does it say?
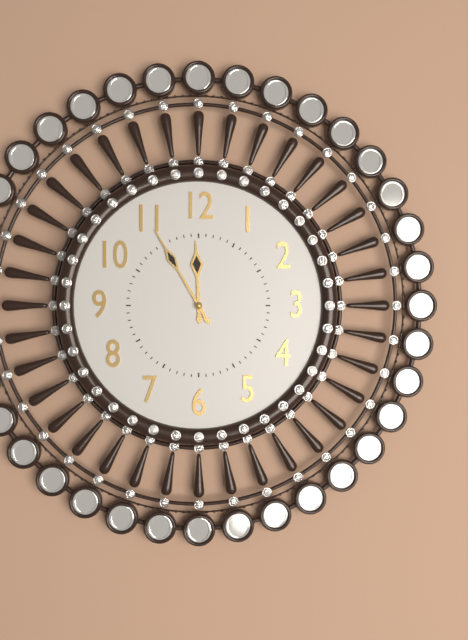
11:55
